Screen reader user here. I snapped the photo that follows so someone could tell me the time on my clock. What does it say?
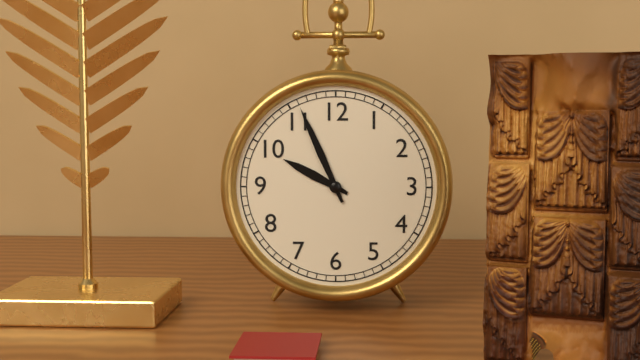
9:56
